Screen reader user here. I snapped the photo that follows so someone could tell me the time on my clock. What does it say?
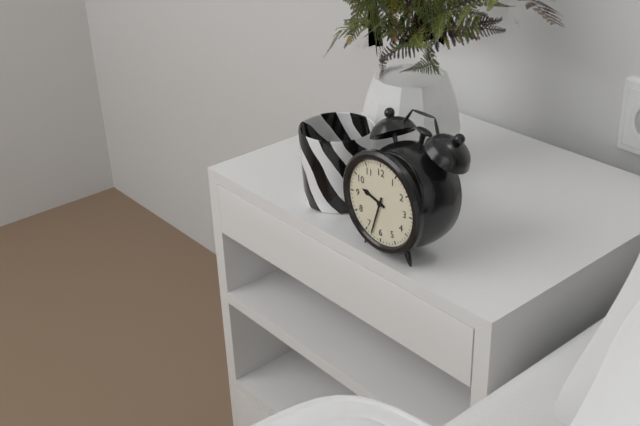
9:33
